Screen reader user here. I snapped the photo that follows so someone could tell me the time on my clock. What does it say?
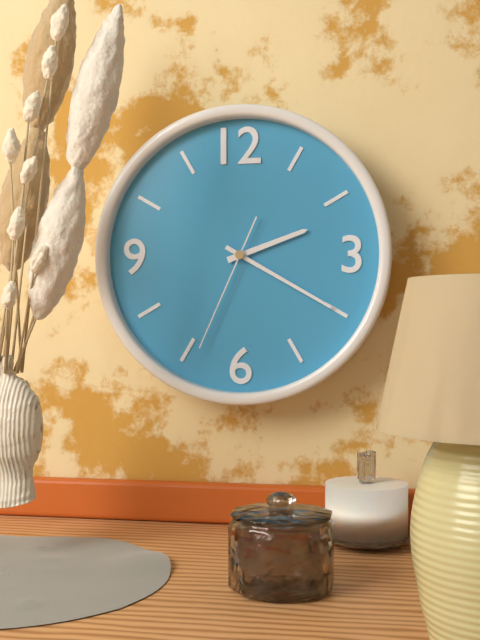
2:20:34
